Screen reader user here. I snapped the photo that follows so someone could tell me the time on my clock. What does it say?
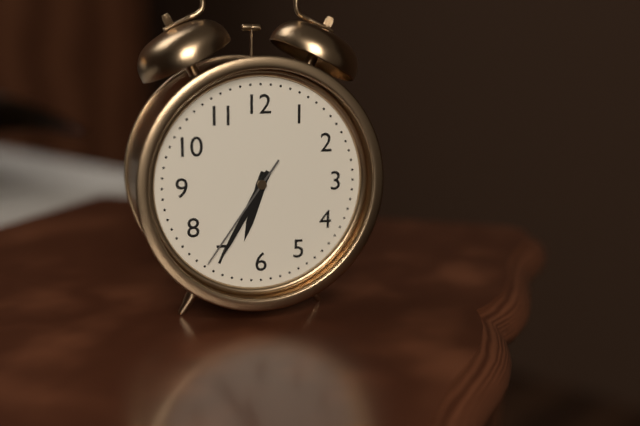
6:35:36
